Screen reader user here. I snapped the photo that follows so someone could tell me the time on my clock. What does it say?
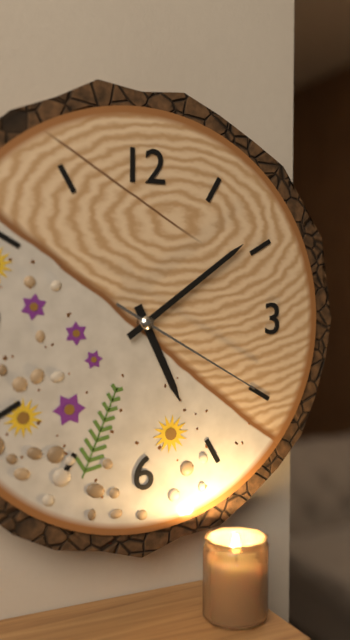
5:09:20
